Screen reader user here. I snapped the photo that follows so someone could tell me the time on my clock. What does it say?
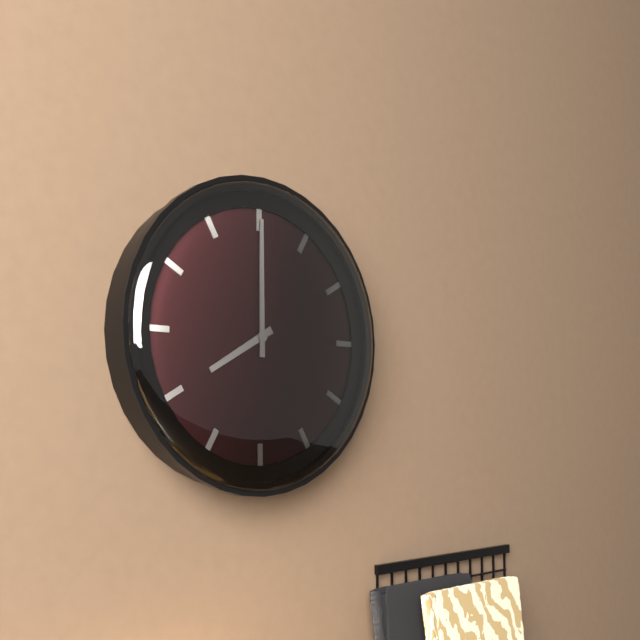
8:00
